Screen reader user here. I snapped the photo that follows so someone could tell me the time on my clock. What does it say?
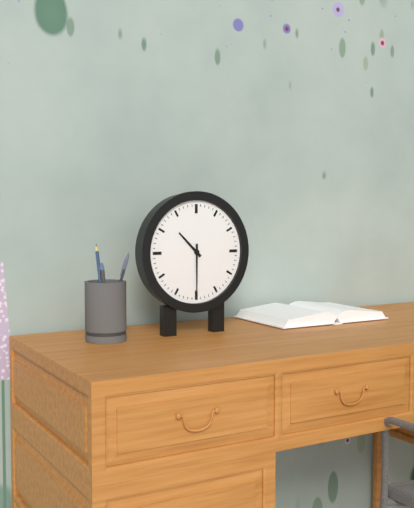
10:30
